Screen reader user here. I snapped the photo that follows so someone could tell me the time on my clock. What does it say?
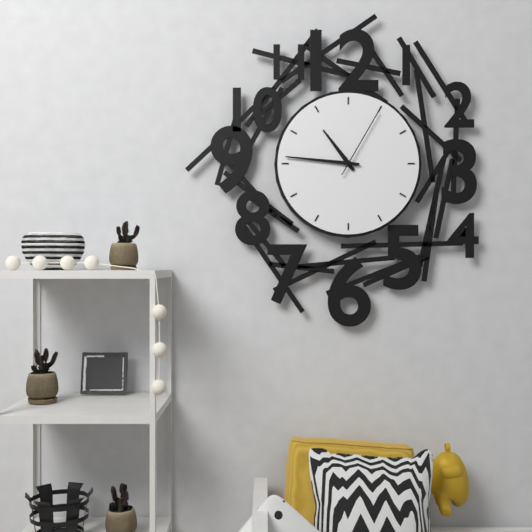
10:46:05
